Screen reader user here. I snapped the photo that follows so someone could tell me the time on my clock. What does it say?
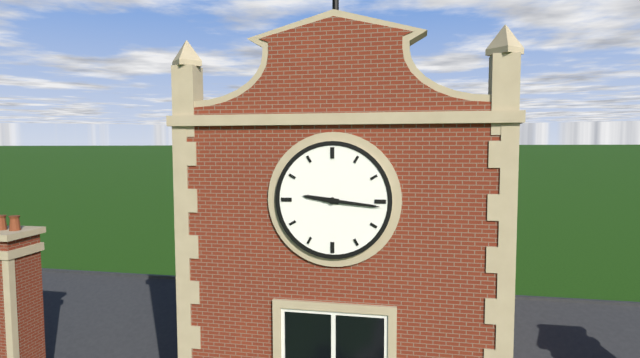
9:16
